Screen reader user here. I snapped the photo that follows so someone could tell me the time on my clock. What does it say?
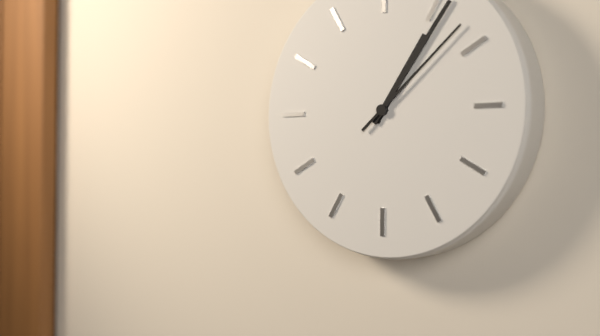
1:06:08
